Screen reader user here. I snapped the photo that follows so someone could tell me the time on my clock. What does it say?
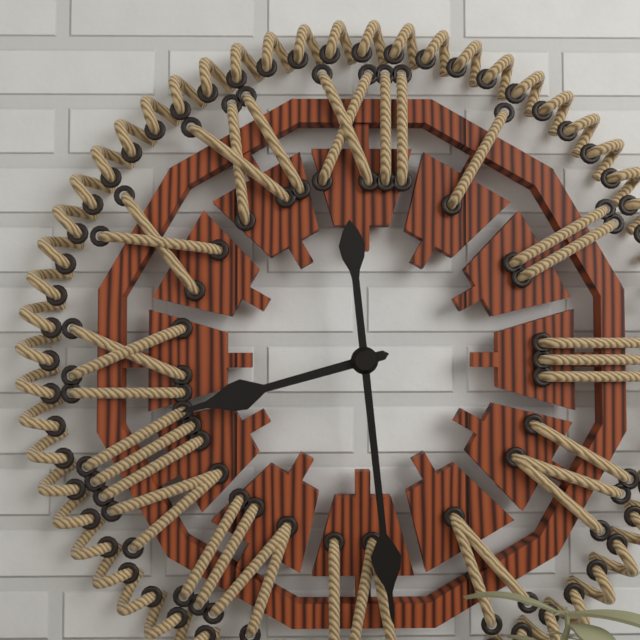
8:29
